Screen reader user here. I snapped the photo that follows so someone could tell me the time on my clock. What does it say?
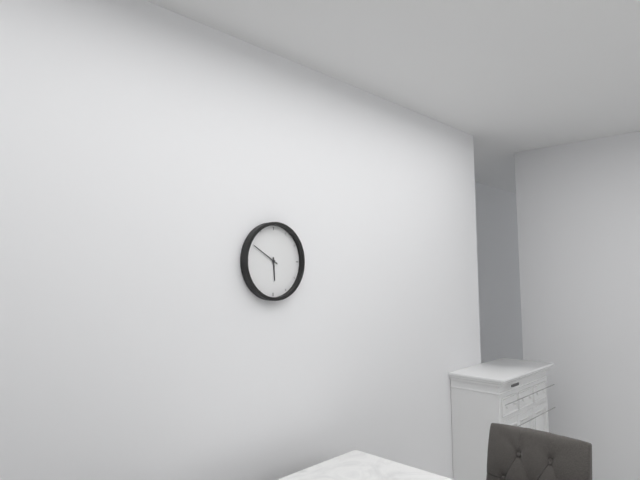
5:50
